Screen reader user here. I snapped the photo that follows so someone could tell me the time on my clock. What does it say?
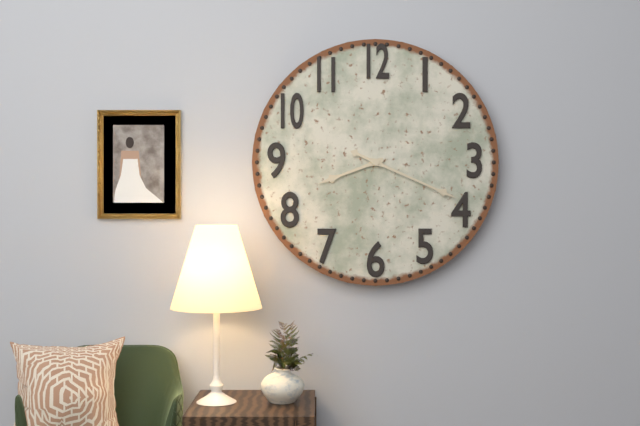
8:19
